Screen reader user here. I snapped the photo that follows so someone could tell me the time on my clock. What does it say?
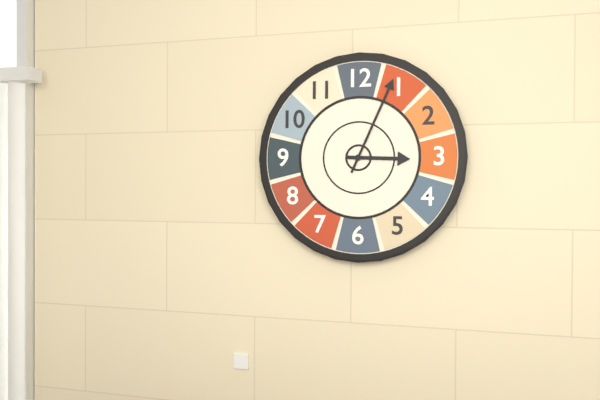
3:04
